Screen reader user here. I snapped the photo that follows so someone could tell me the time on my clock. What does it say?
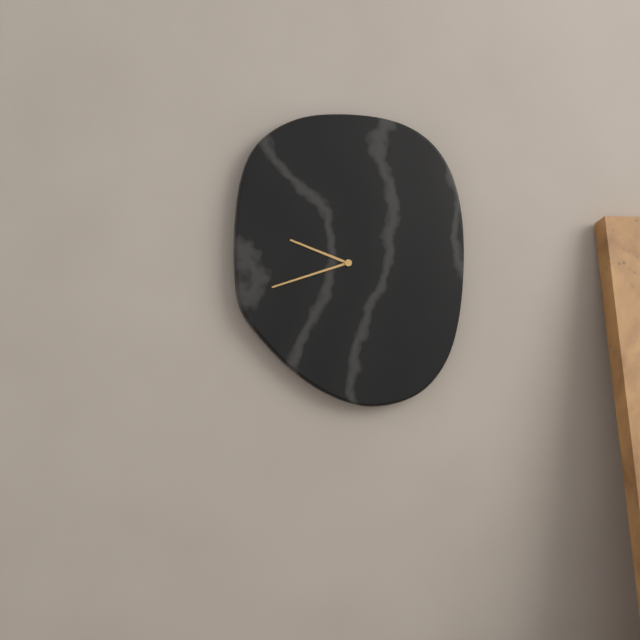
9:42
